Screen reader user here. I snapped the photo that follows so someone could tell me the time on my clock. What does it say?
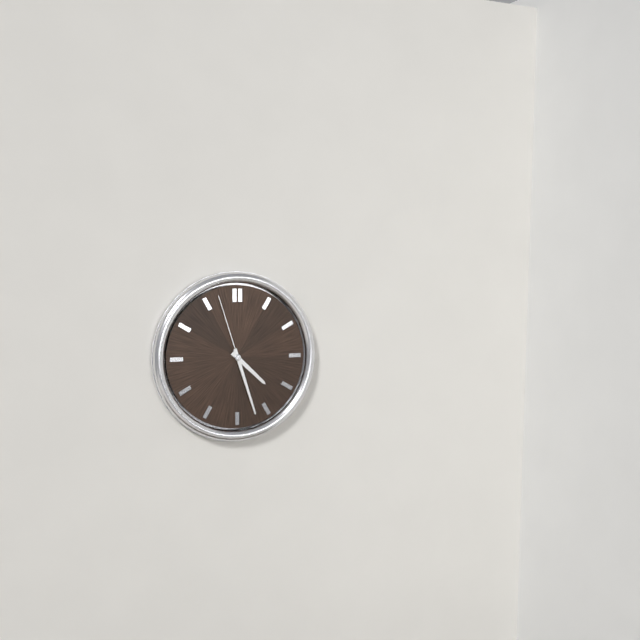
4:27:57
